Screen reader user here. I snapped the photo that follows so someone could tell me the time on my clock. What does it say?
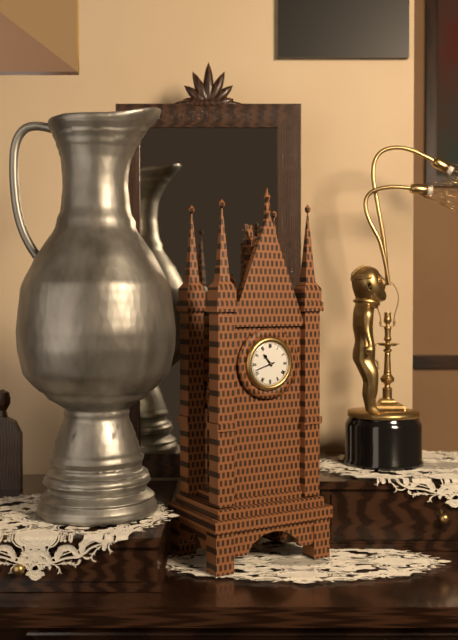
10:42
